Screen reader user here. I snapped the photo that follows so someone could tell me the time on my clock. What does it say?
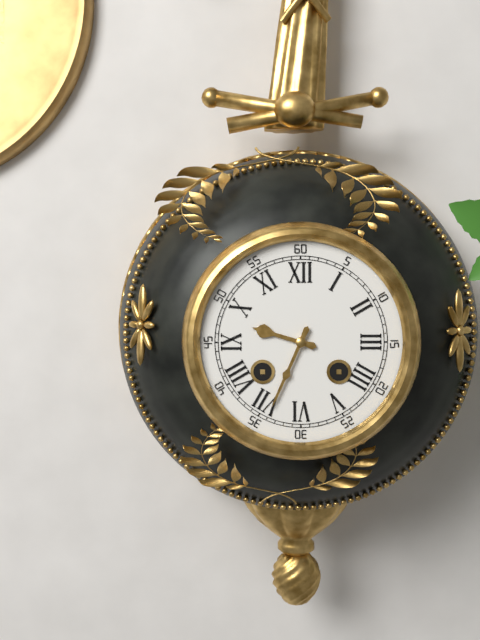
9:34
